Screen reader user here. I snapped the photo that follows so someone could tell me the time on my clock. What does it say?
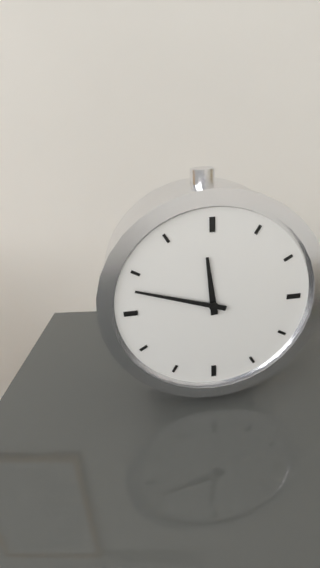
11:48
